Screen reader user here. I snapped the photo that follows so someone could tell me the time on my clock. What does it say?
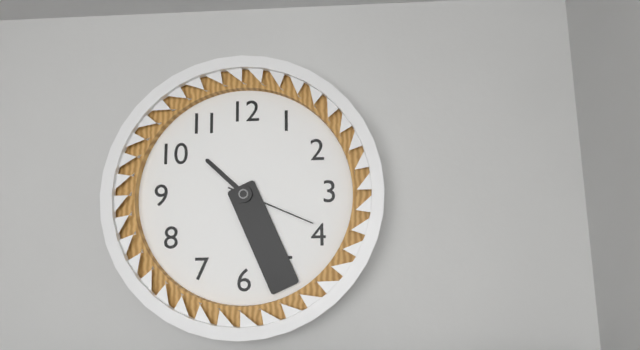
10:26:19
